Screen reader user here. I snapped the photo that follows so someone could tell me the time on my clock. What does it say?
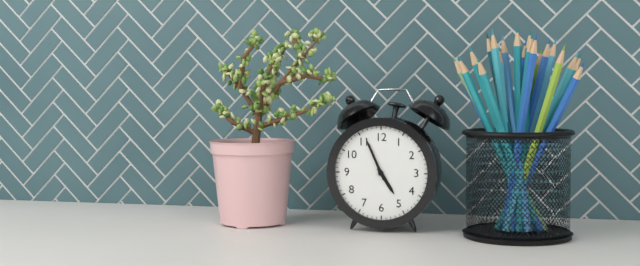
4:56
